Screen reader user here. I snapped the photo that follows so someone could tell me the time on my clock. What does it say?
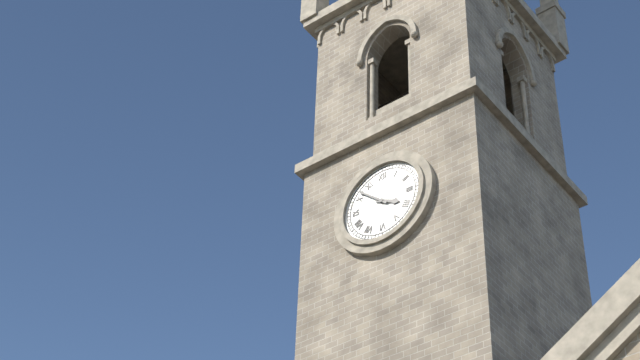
3:52
